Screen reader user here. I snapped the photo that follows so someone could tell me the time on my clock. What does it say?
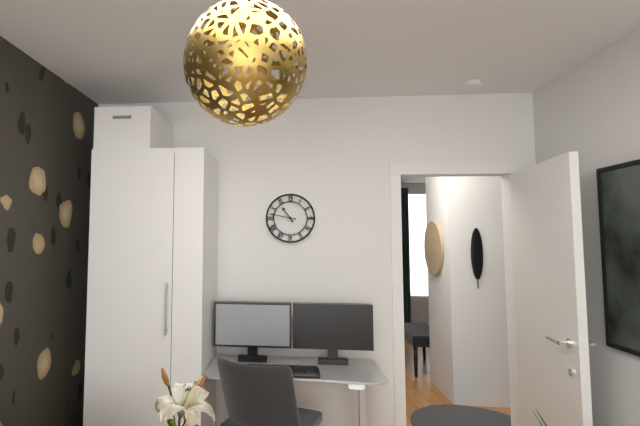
10:47
